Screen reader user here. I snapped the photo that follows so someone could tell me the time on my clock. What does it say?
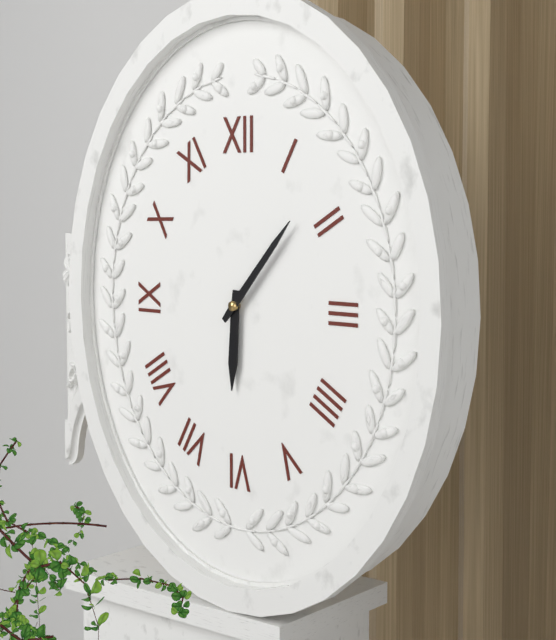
6:07
